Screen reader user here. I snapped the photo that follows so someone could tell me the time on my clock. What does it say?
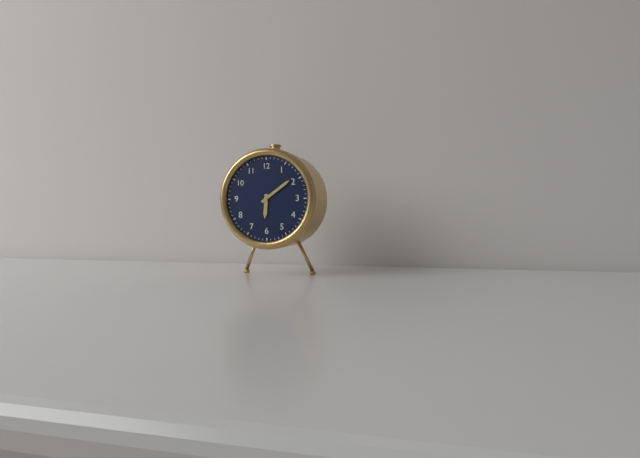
6:09
